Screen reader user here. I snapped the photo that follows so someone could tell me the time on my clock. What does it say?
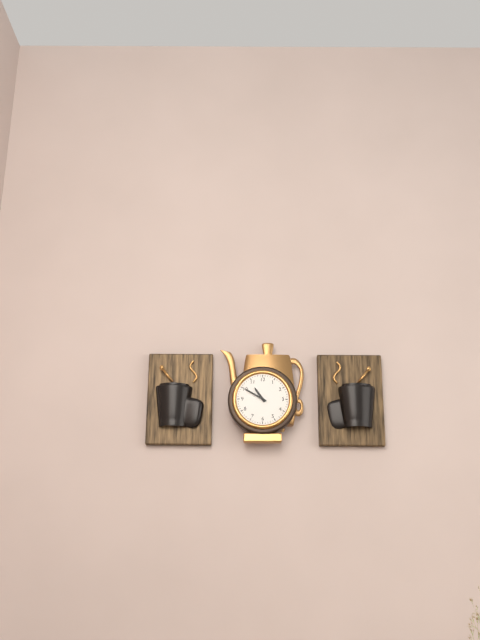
10:50
